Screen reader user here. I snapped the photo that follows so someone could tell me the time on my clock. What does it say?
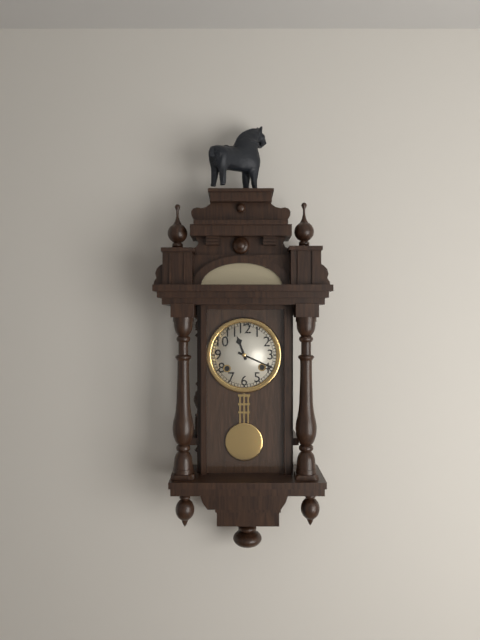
11:19
